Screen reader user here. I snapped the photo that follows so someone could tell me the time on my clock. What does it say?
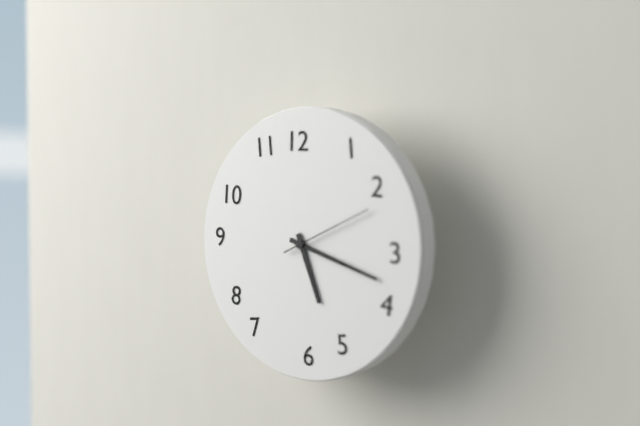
5:18:11
